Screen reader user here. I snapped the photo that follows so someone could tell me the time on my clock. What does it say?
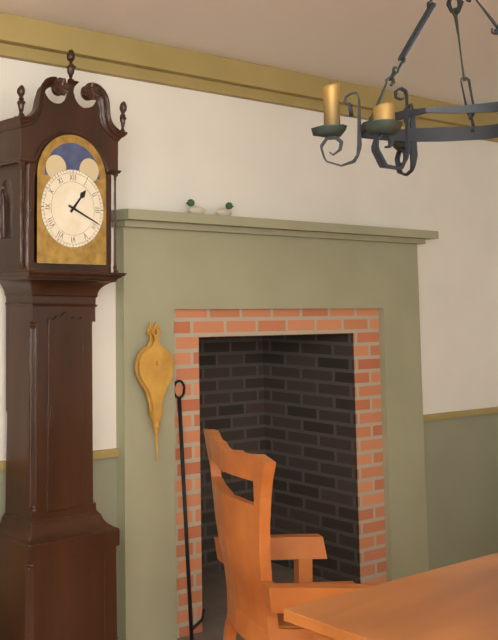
1:19
